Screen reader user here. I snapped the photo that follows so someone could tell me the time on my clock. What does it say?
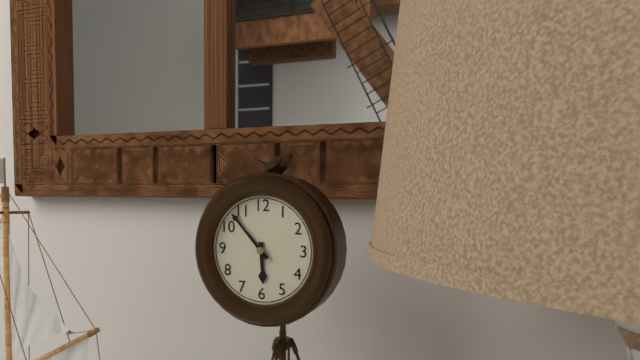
5:53
